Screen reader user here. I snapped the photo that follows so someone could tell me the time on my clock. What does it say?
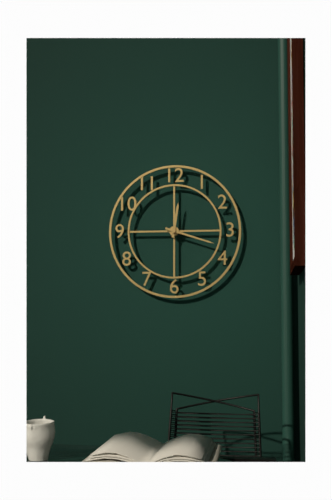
12:18
